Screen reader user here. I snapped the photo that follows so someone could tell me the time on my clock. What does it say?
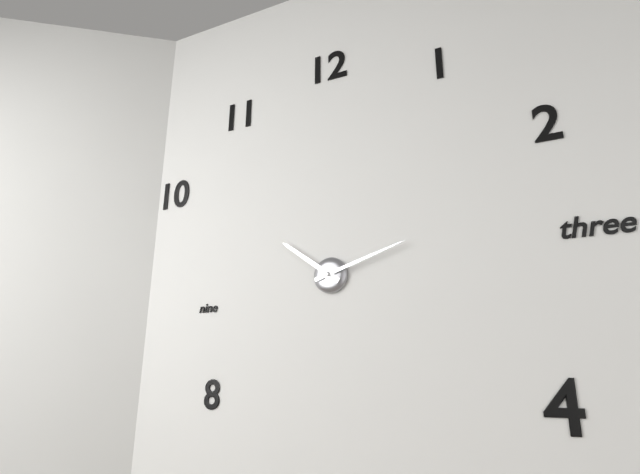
10:12
